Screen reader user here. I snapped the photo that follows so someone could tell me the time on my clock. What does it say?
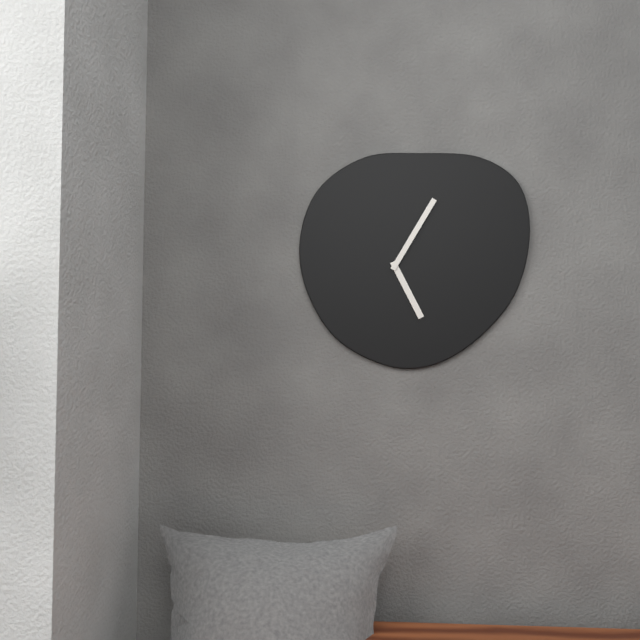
5:05
